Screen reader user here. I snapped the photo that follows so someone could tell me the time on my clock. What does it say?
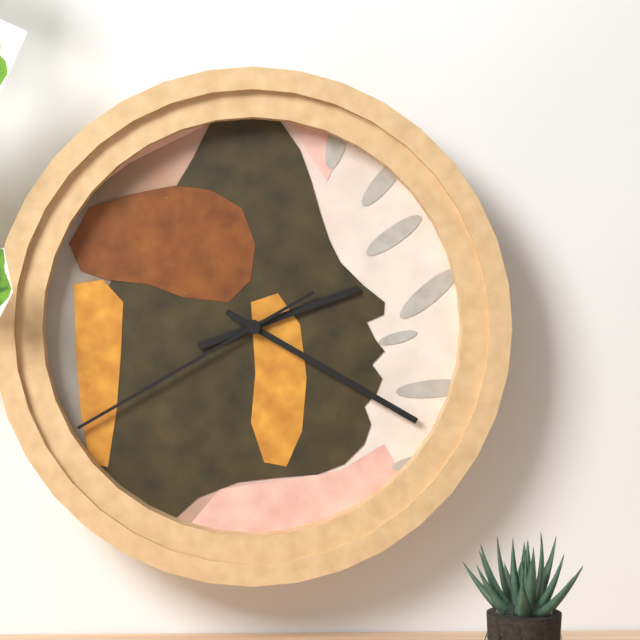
2:20:40
